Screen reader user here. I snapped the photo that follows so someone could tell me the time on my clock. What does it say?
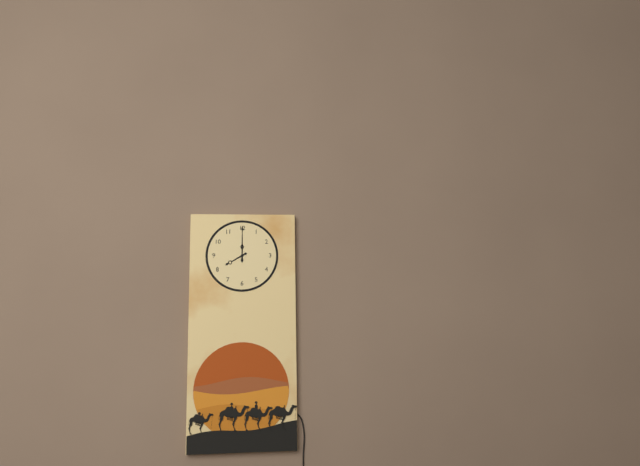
8:00
